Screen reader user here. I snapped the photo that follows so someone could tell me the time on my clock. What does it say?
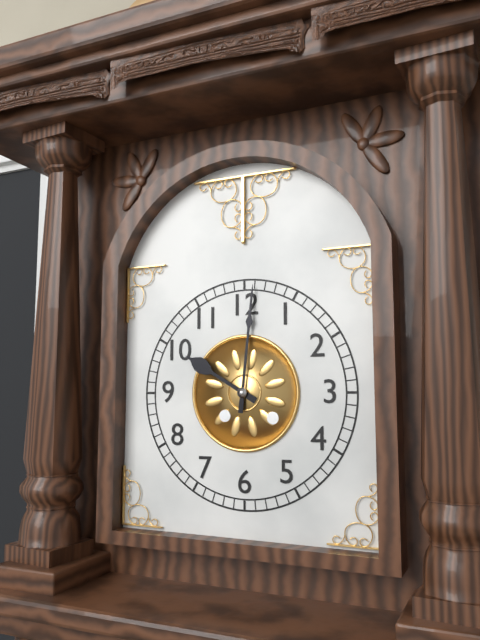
10:01
